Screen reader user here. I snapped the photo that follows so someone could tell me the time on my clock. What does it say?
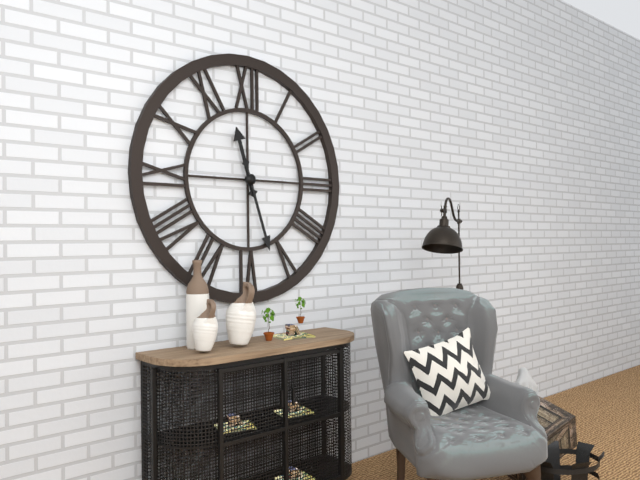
11:27
